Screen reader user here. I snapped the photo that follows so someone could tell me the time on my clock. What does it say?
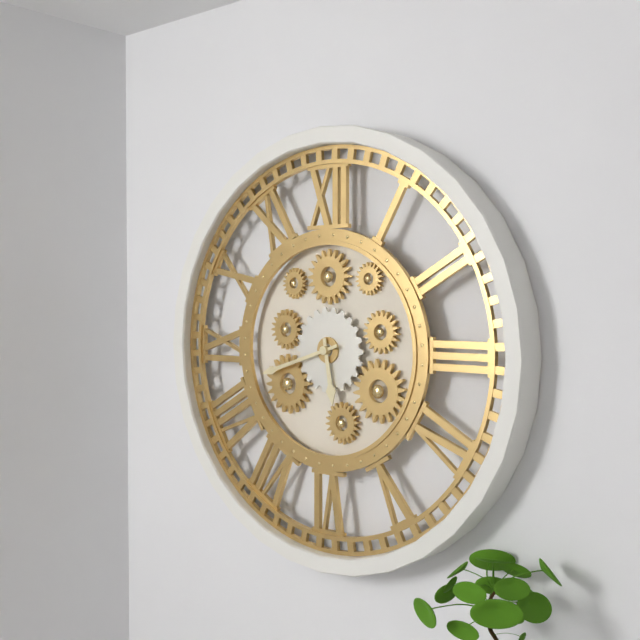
5:42
